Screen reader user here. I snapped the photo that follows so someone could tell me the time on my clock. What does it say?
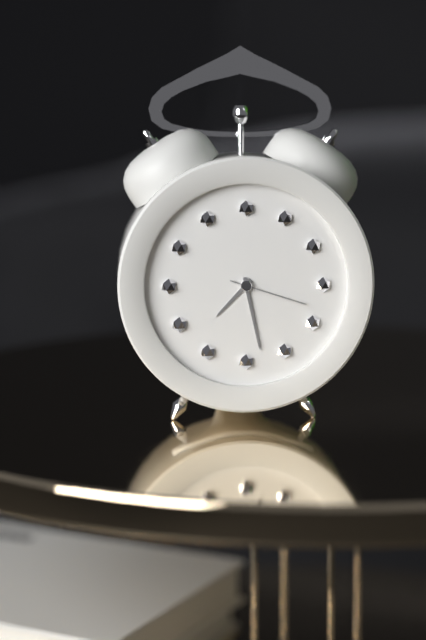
7:28:18
